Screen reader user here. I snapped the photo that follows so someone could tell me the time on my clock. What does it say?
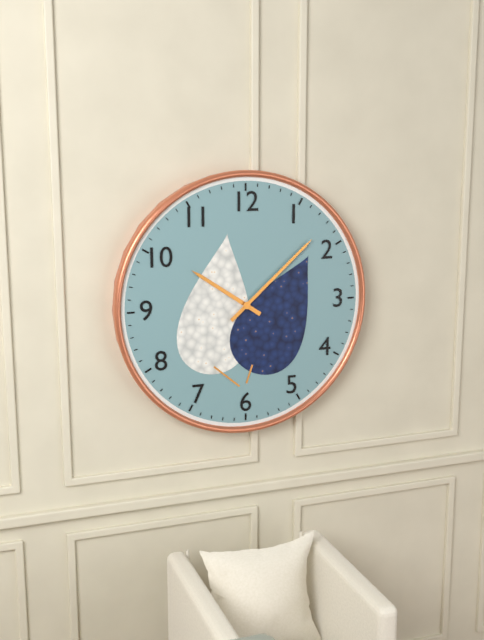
10:08
